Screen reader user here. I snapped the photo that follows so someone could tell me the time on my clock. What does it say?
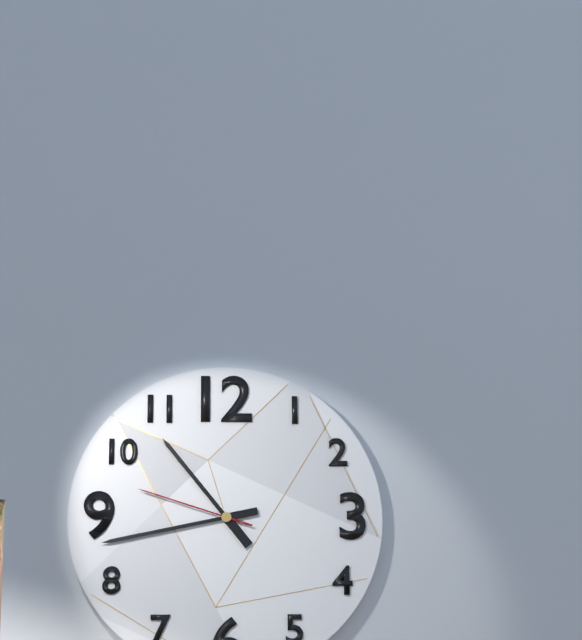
10:43:48
